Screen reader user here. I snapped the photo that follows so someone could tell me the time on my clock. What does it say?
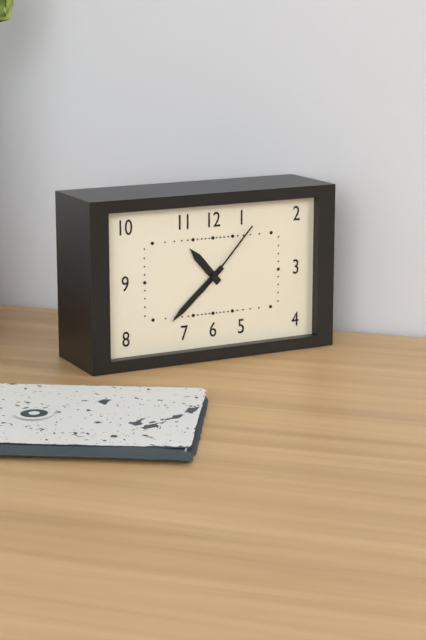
10:38:07
